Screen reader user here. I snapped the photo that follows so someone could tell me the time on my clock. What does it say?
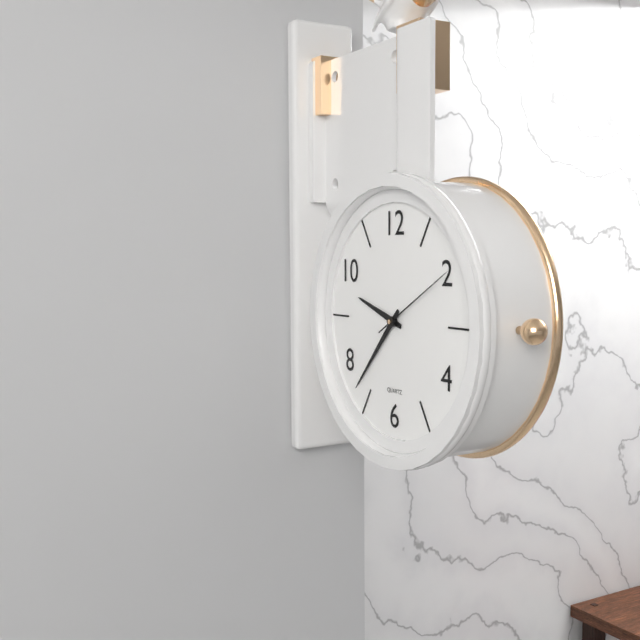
9:37:10
